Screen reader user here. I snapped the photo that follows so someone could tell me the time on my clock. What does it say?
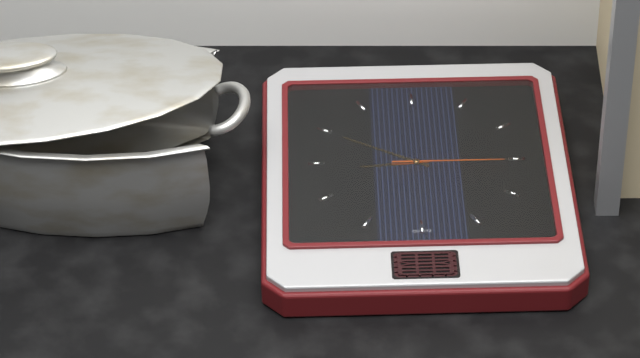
8:50:15
